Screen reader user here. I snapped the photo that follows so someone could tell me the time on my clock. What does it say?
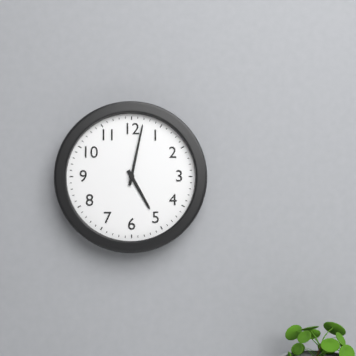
5:02
